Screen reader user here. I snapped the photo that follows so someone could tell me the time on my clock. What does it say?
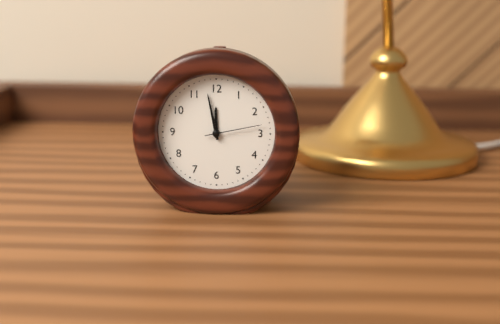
11:58:13
